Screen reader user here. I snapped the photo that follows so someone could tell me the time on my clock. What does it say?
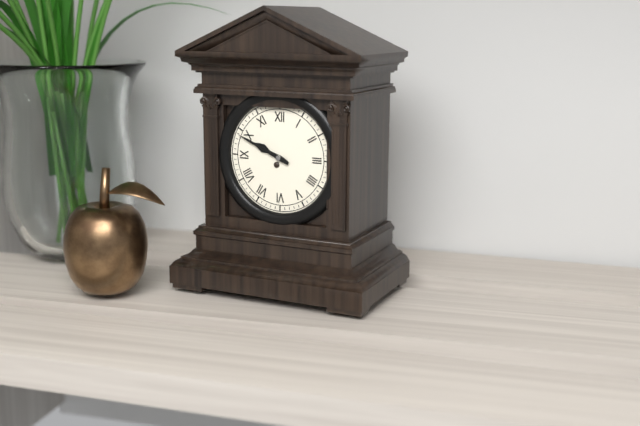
9:49
